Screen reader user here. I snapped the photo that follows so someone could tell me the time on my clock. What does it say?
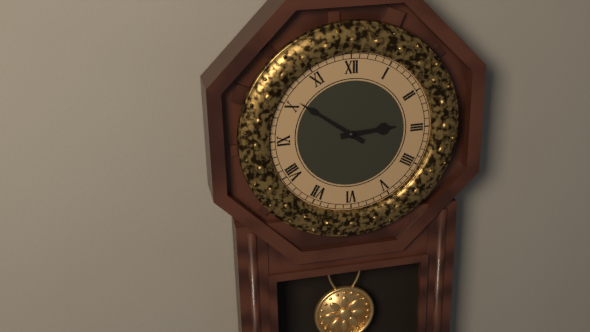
2:51
